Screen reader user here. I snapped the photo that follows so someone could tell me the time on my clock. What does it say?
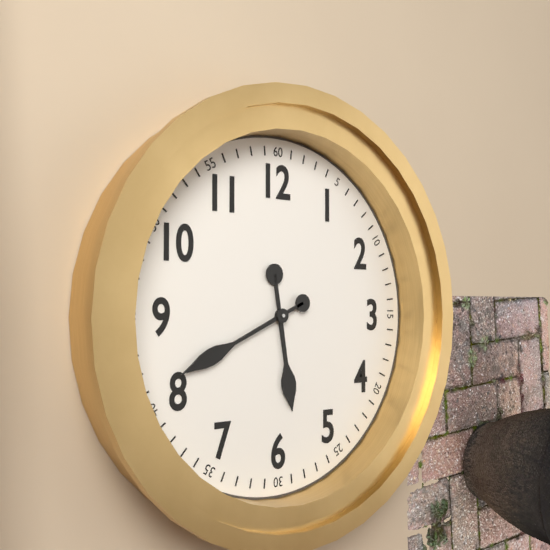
5:41
